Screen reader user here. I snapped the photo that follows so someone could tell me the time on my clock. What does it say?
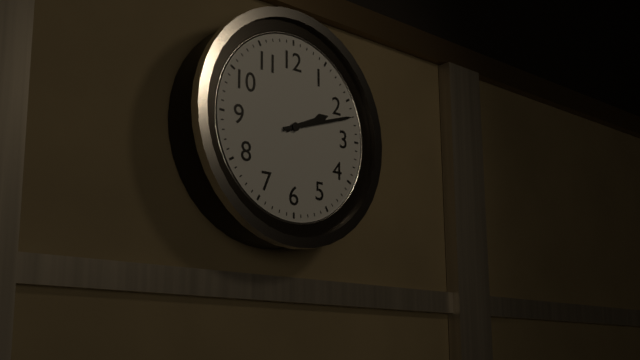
2:12
